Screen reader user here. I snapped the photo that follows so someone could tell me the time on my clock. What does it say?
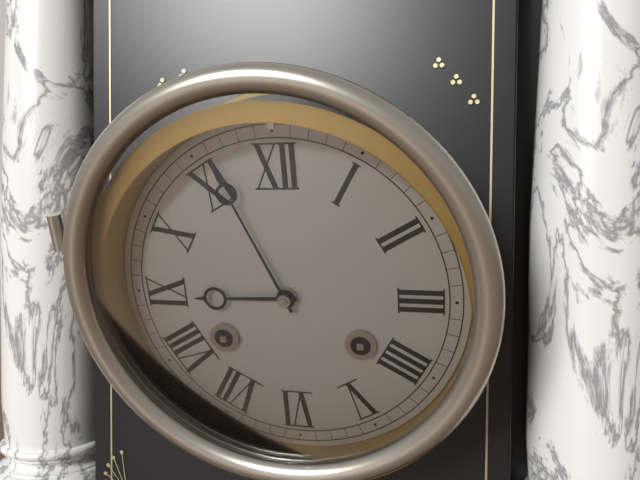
8:56
